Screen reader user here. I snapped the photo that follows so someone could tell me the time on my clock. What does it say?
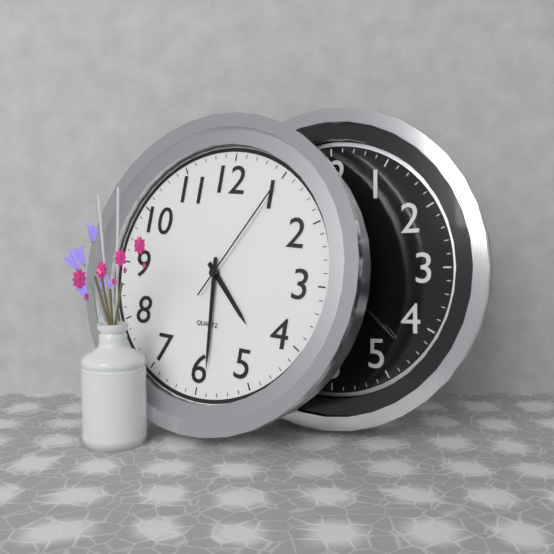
4:29:05
